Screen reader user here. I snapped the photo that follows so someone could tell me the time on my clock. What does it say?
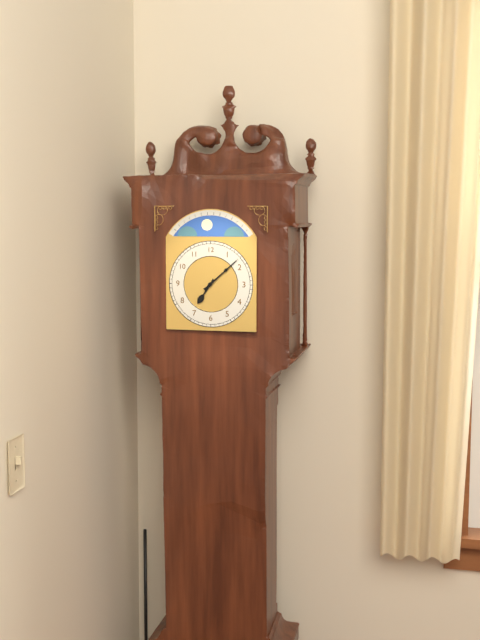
7:08
